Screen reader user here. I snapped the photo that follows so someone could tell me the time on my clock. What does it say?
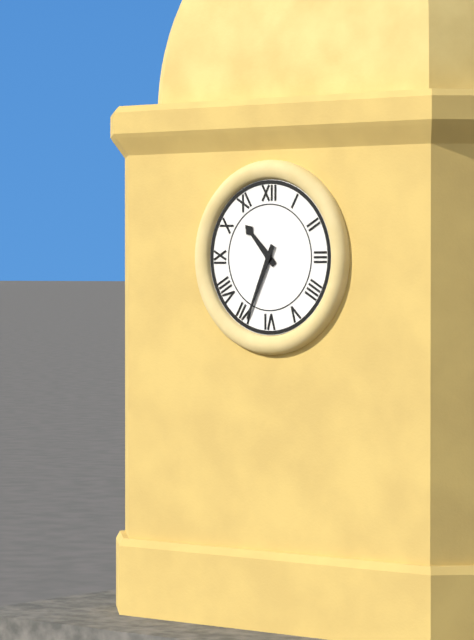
10:34
